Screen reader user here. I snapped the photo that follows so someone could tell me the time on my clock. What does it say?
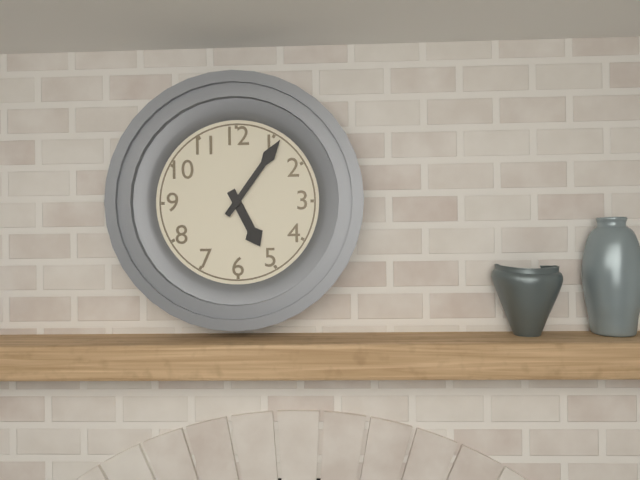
5:06
